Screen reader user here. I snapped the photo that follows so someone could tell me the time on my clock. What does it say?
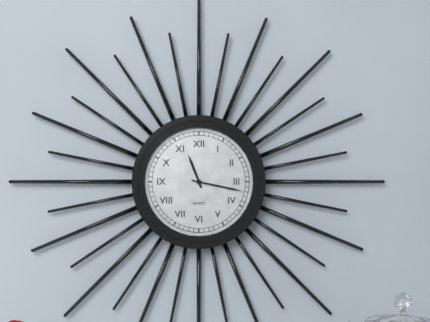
11:17
